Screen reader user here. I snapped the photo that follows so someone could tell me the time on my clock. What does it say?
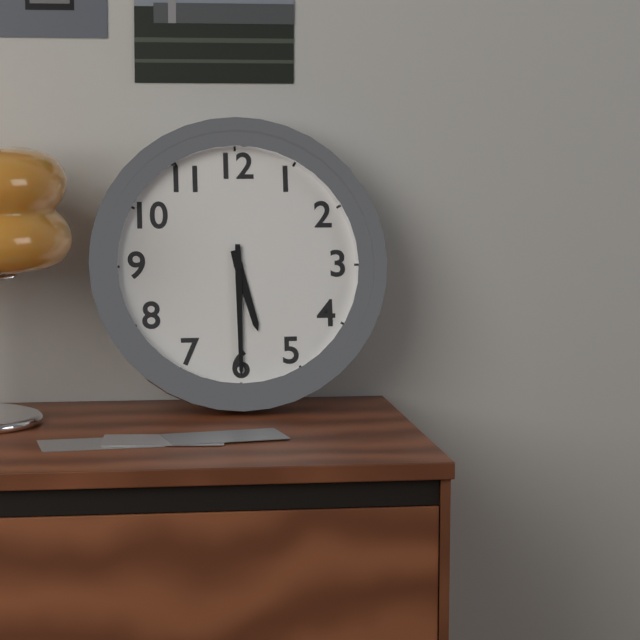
5:30
